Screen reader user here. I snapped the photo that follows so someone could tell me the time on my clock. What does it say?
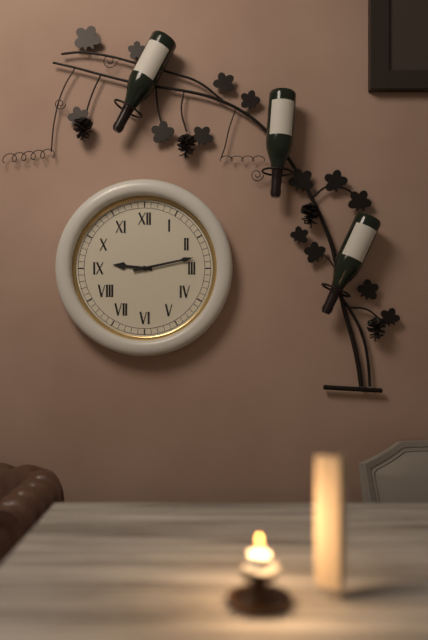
9:13
